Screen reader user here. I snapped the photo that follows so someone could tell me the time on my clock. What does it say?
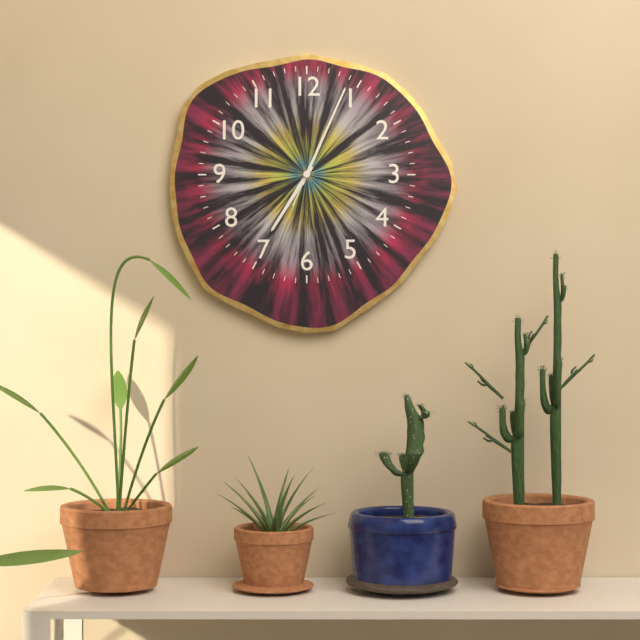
7:04:04
